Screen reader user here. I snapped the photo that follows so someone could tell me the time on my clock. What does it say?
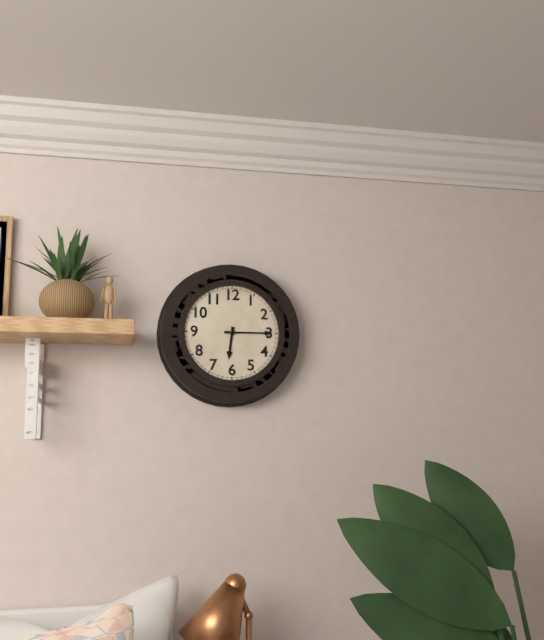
6:15
